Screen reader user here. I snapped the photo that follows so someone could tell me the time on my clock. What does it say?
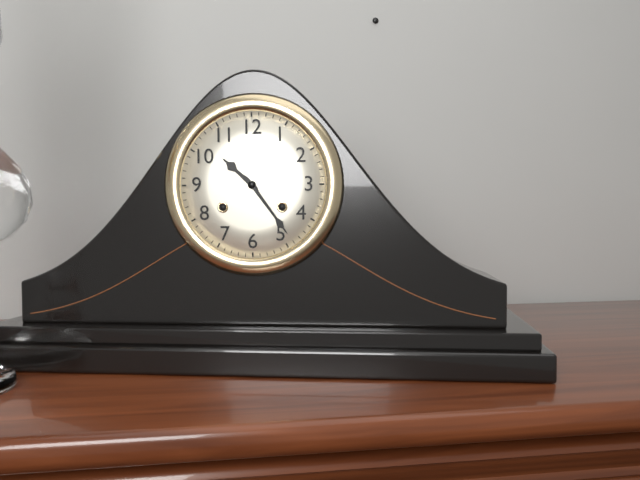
10:24
